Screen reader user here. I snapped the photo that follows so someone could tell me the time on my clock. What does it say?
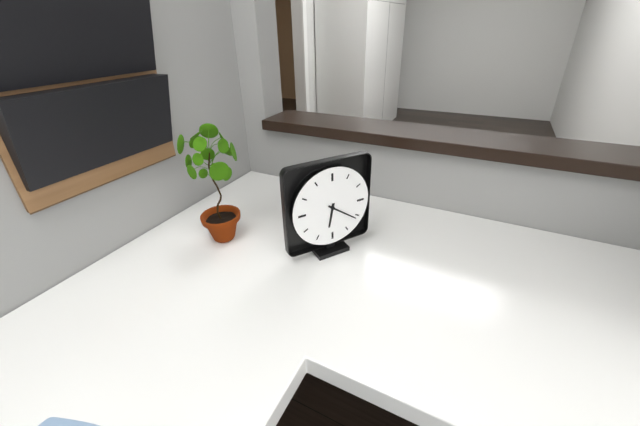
6:21
